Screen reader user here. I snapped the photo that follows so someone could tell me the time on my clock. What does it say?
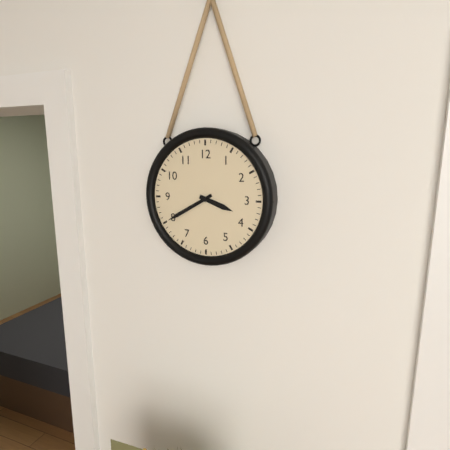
3:40
